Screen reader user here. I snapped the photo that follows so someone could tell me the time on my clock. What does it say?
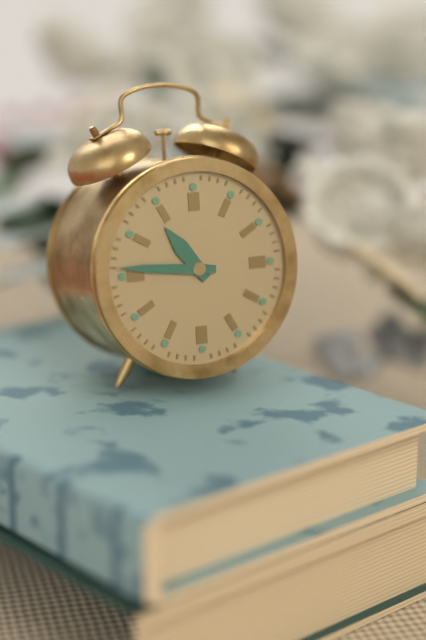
10:46
